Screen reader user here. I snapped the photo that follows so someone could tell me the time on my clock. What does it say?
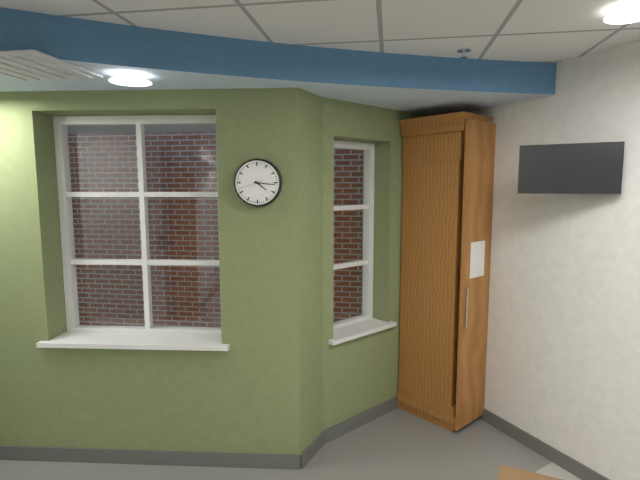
4:16
